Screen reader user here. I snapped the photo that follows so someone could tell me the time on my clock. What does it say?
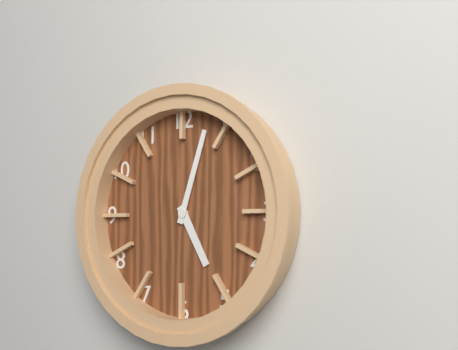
5:03
